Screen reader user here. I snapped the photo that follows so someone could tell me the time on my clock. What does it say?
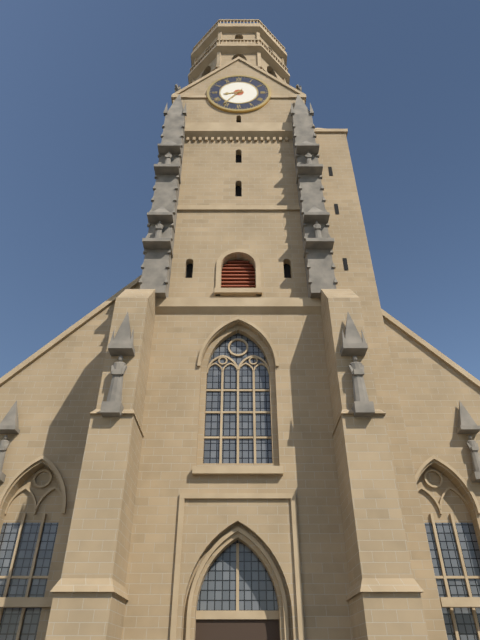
8:36
